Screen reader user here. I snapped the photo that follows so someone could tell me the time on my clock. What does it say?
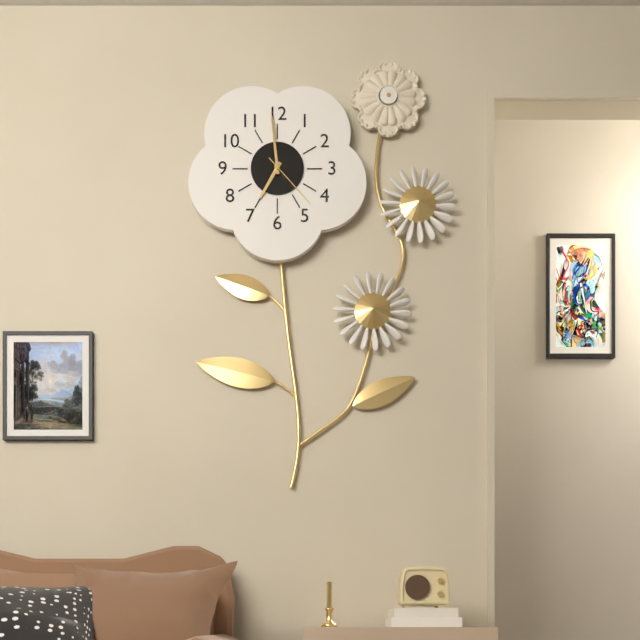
6:59:23
